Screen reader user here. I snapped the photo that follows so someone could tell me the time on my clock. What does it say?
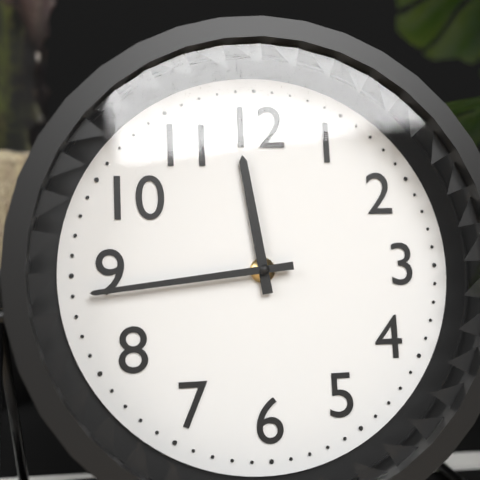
11:44
